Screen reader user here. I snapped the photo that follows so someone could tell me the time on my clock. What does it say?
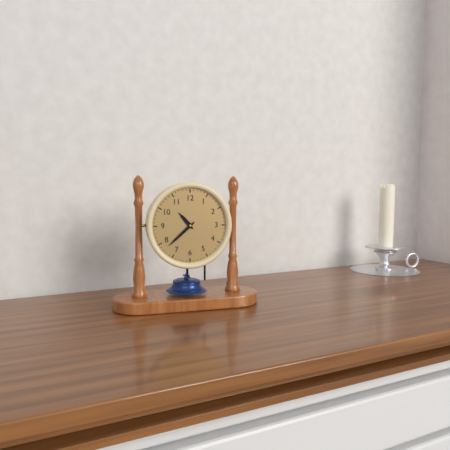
10:38
